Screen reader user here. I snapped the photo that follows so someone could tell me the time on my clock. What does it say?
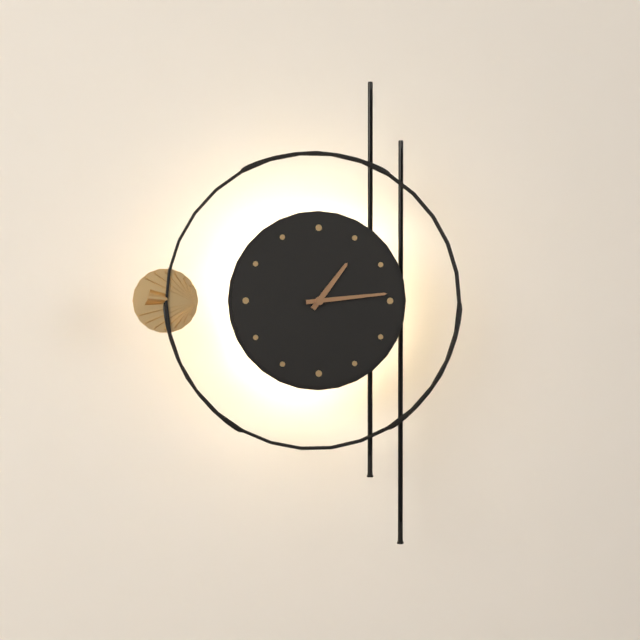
1:14
